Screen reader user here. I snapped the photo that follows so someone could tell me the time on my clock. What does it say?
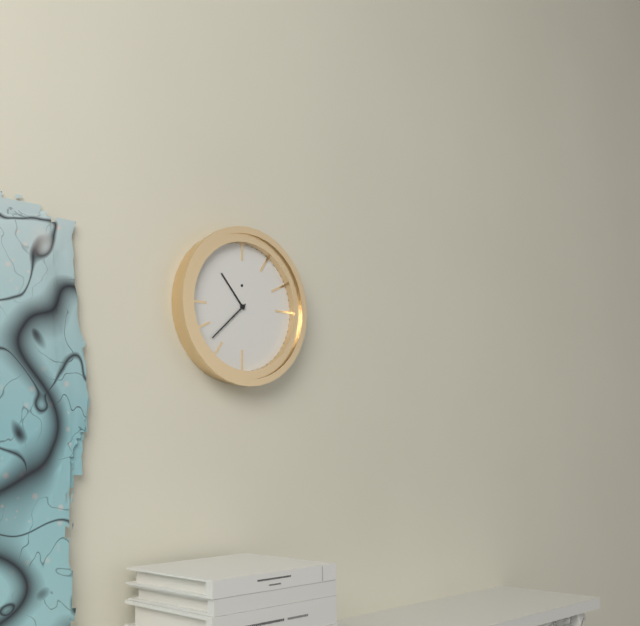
10:38
